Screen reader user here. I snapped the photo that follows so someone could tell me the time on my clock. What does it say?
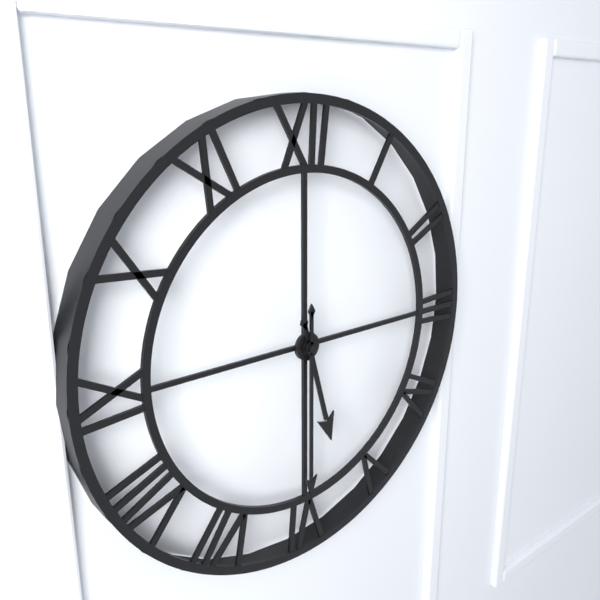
5:30
